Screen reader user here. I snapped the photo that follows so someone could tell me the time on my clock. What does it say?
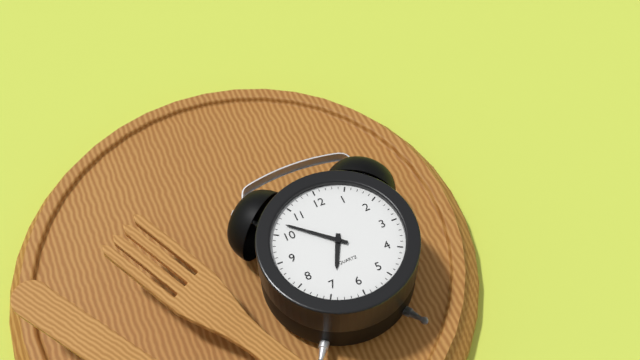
6:52
